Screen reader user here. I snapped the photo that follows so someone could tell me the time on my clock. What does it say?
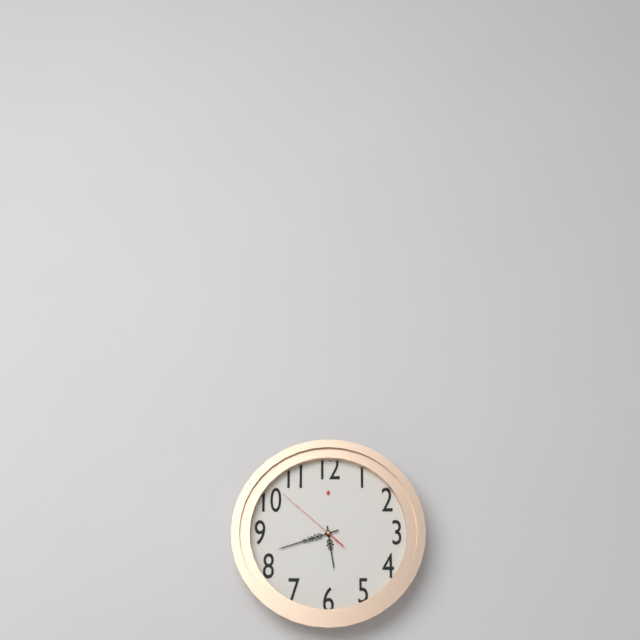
5:42:52
